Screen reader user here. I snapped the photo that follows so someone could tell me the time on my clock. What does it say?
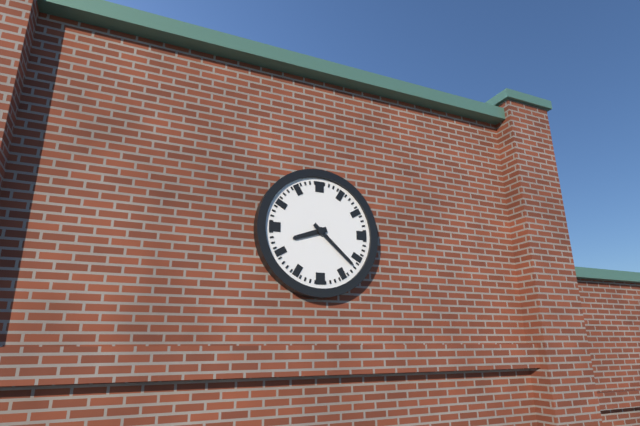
8:22
